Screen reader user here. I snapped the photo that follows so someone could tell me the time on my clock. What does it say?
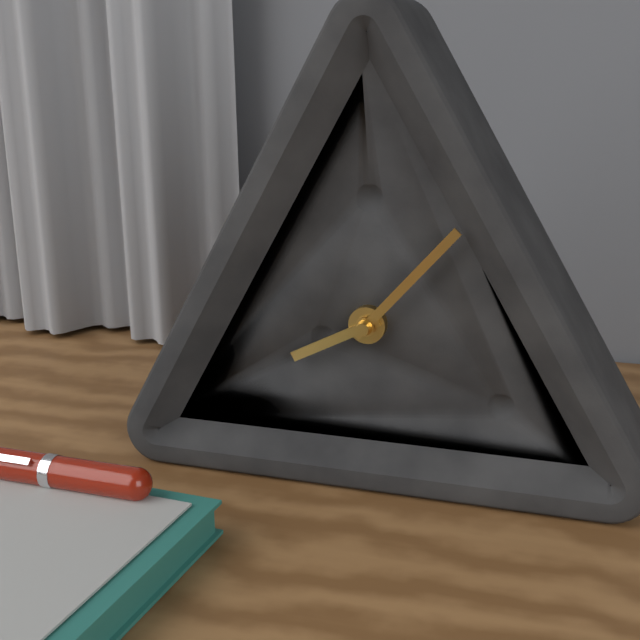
8:07
